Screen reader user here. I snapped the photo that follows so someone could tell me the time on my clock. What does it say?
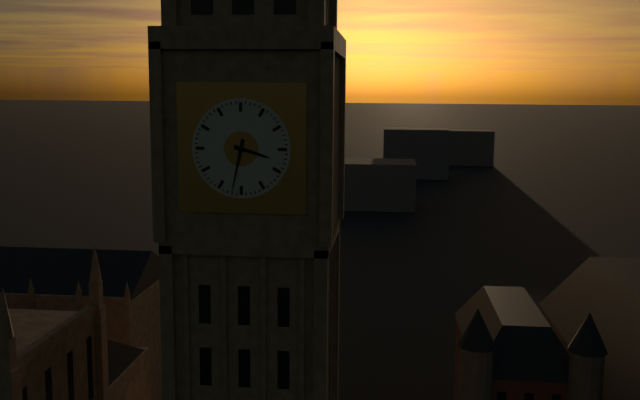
3:32
